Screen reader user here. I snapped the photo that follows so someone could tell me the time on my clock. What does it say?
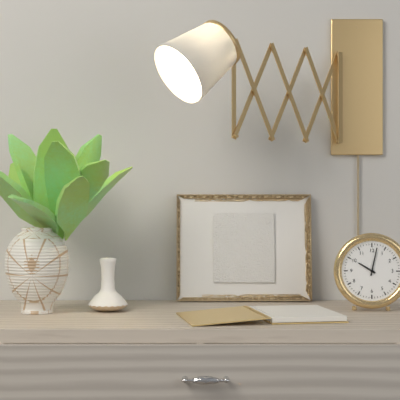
10:02
